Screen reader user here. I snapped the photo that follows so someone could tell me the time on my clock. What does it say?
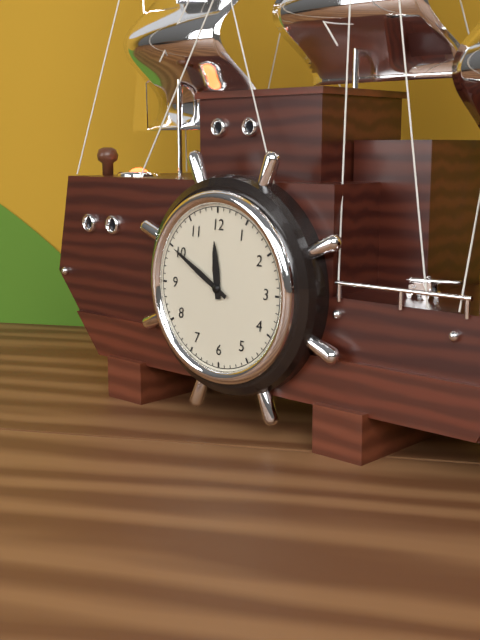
11:50
